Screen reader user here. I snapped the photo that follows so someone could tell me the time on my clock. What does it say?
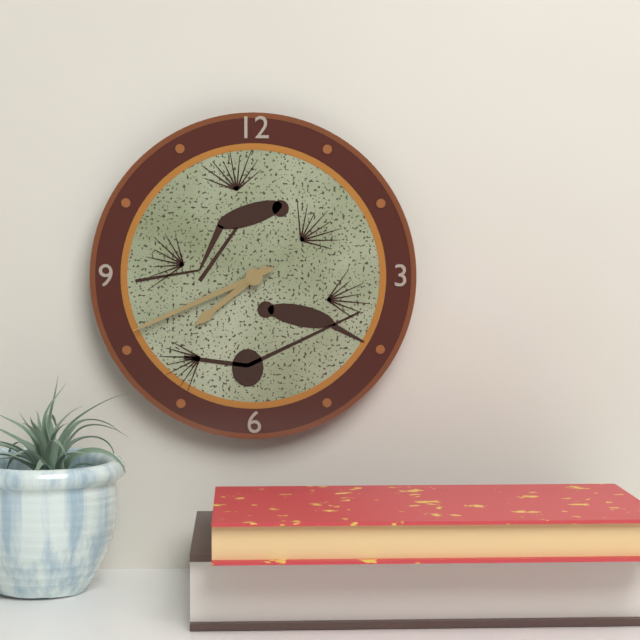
7:41
